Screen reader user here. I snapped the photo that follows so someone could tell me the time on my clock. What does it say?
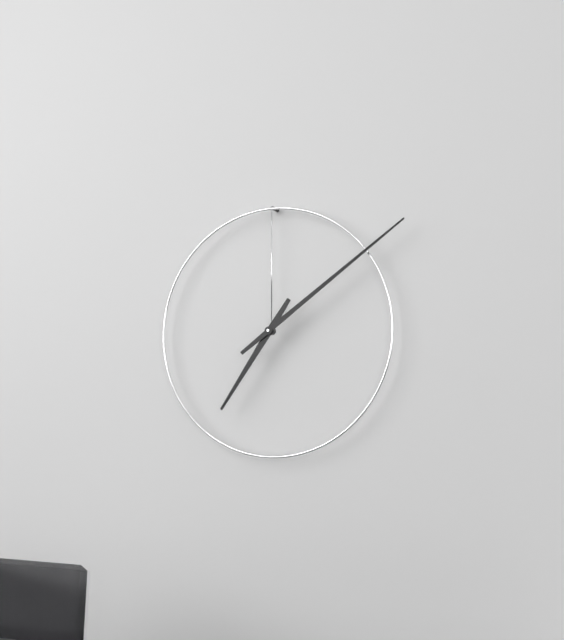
7:09
